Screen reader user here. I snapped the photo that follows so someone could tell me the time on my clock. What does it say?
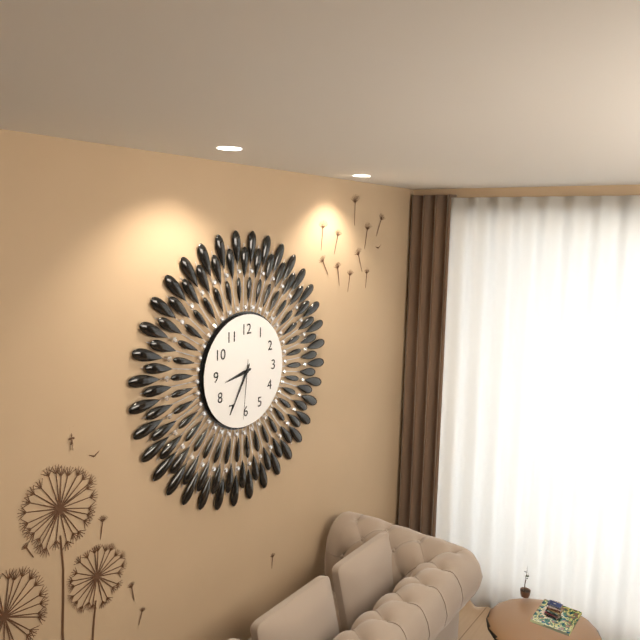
8:35:31
